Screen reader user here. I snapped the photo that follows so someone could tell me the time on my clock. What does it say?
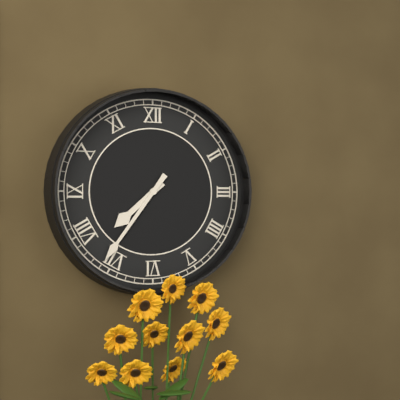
7:36
